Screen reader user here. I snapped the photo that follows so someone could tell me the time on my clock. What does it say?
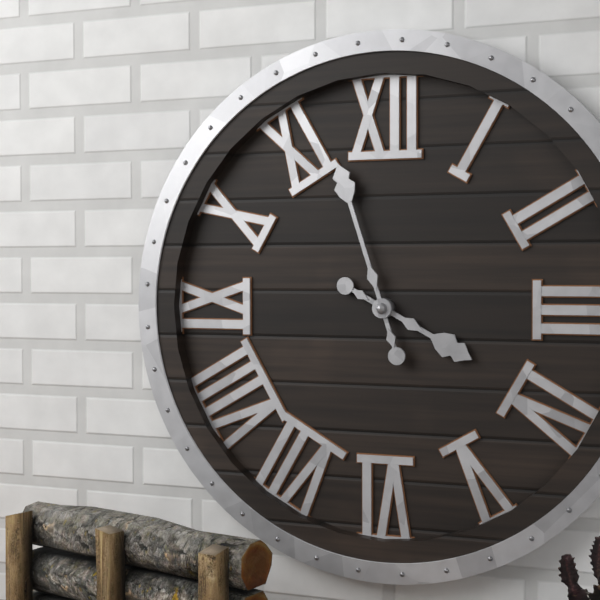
3:57
